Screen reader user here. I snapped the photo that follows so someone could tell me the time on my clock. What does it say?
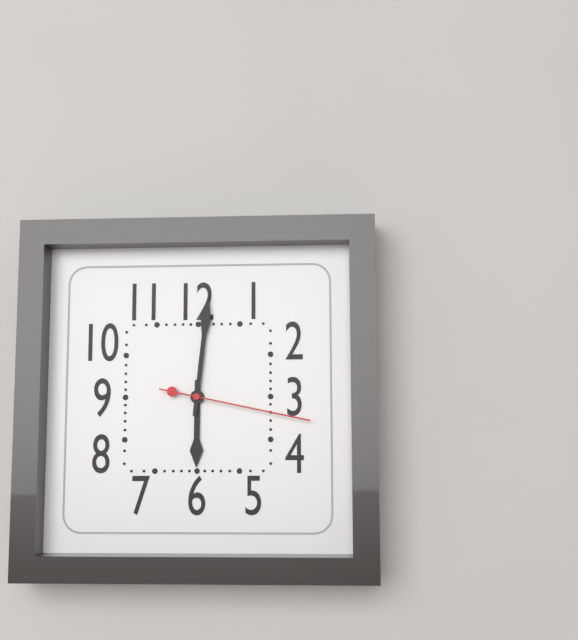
6:01:17
